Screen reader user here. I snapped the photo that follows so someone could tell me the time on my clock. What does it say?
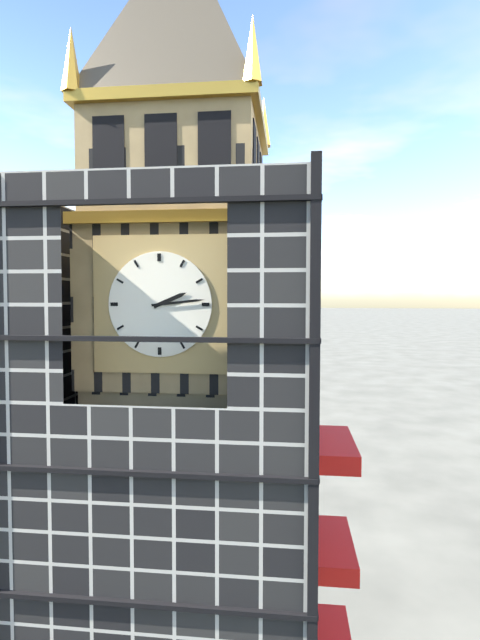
2:14
